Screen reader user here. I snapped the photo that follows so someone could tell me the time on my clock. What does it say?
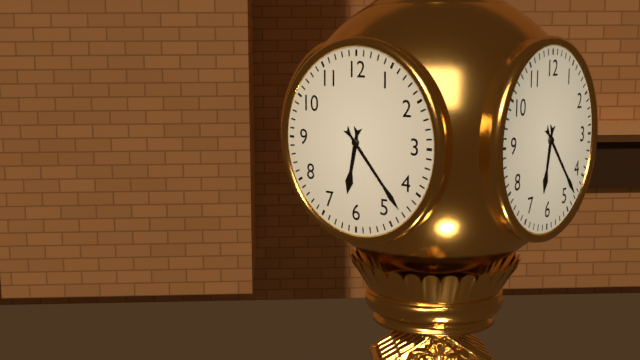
6:23
